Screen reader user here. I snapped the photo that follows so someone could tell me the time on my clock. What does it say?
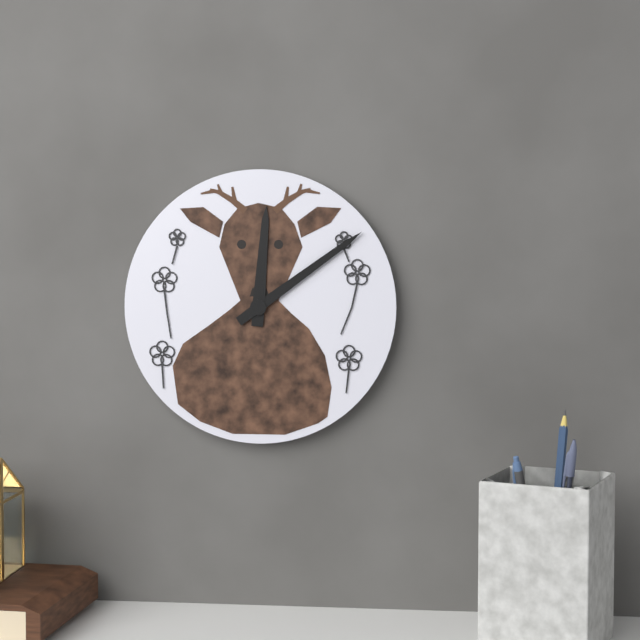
12:09
